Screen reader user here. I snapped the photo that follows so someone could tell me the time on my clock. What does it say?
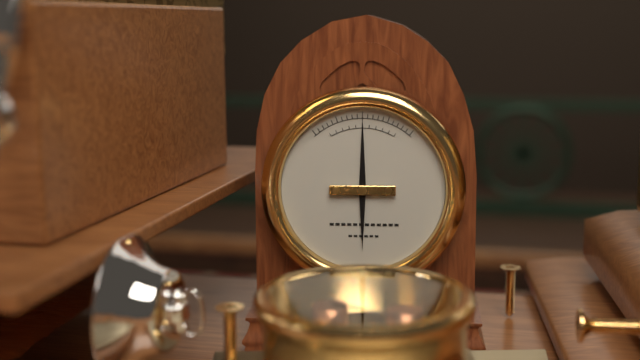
6:00
